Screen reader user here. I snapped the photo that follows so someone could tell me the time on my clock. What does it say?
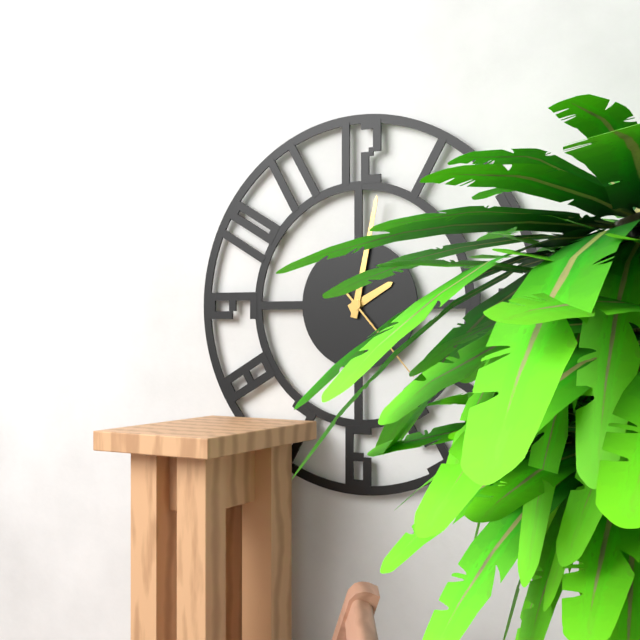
2:02:23
